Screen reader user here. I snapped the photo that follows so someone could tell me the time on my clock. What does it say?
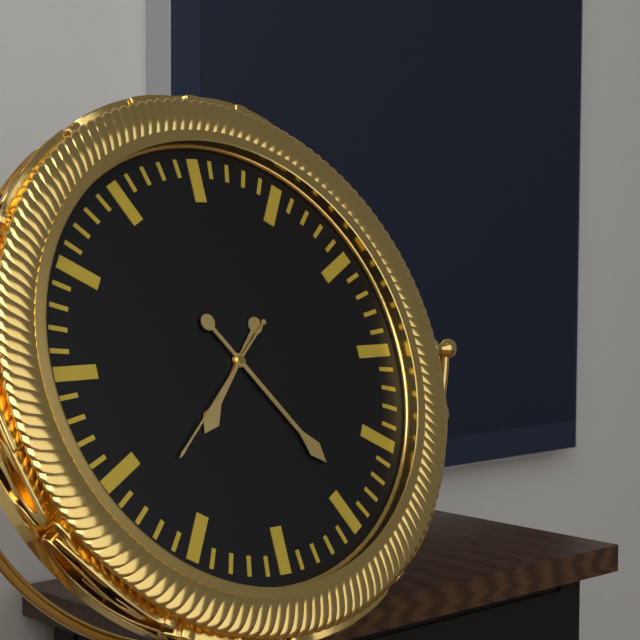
7:24:38
